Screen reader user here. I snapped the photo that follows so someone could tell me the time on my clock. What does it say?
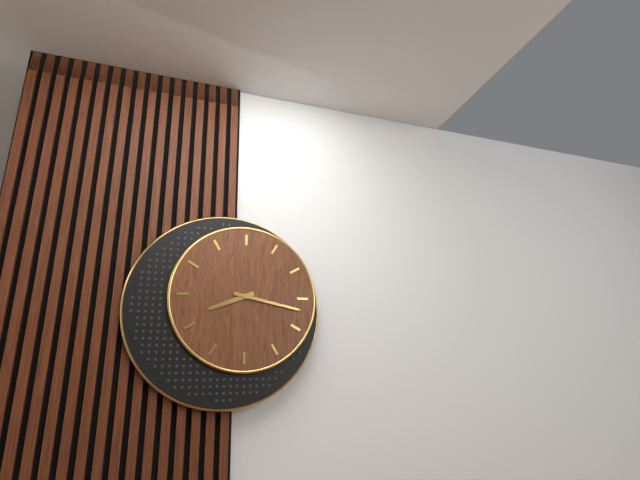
8:17
